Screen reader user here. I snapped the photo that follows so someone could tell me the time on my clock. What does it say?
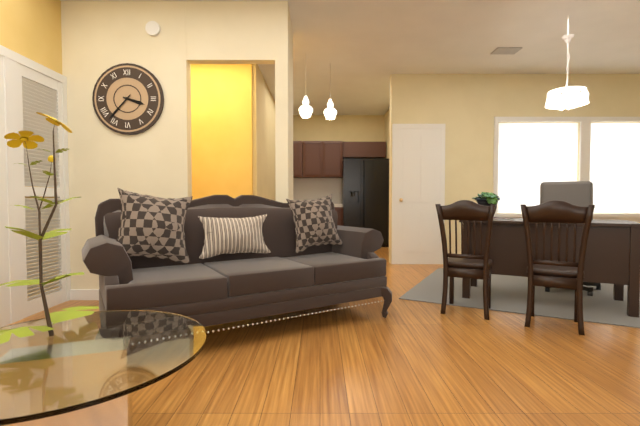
3:37
